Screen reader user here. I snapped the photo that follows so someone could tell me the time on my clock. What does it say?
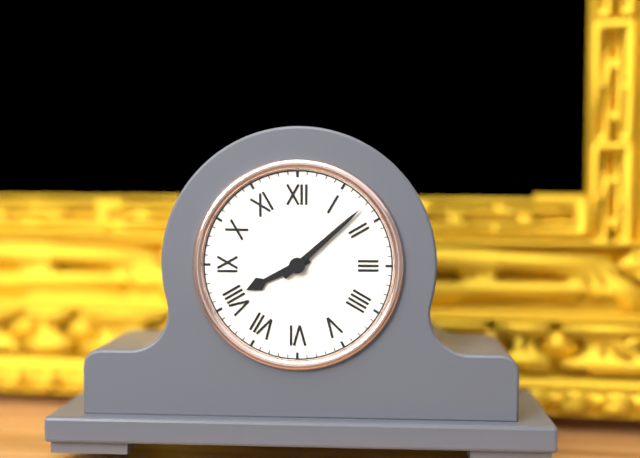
8:08
